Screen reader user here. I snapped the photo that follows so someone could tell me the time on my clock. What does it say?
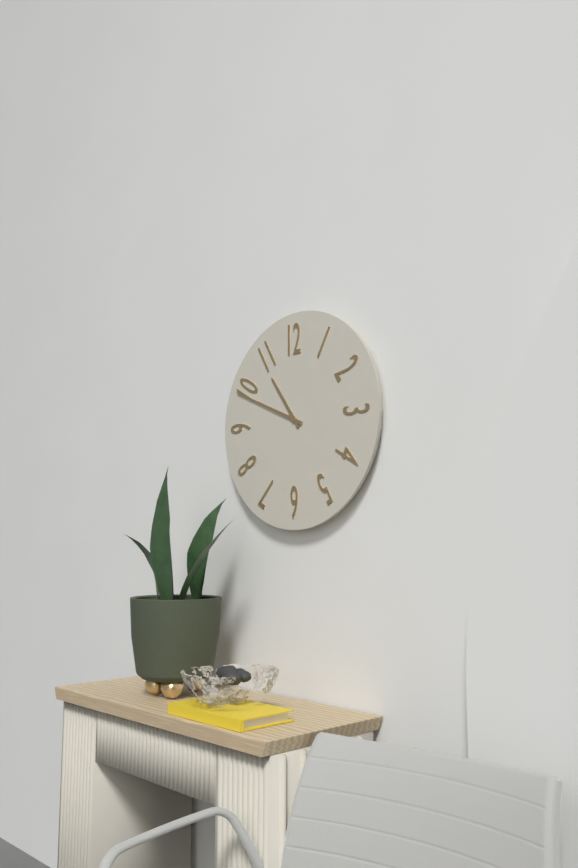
10:49
